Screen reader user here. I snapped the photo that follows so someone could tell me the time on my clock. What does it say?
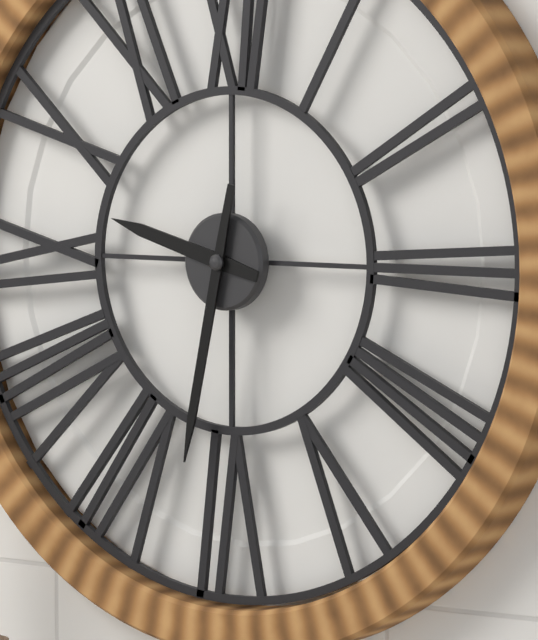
9:32
